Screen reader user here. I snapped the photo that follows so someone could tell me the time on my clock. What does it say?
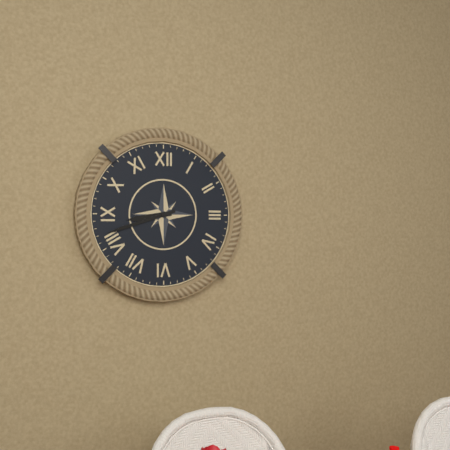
8:42
